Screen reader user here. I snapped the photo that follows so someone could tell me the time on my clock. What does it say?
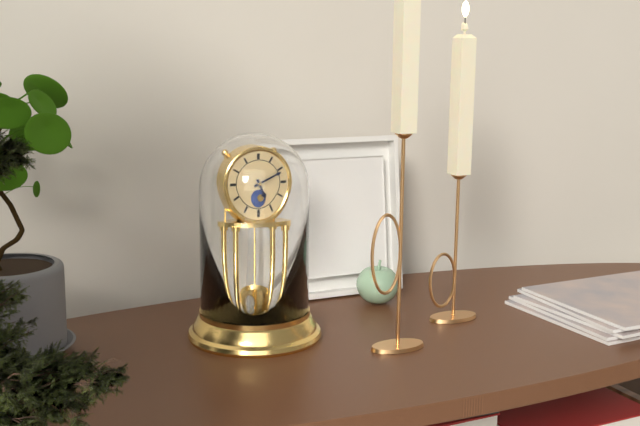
5:11
